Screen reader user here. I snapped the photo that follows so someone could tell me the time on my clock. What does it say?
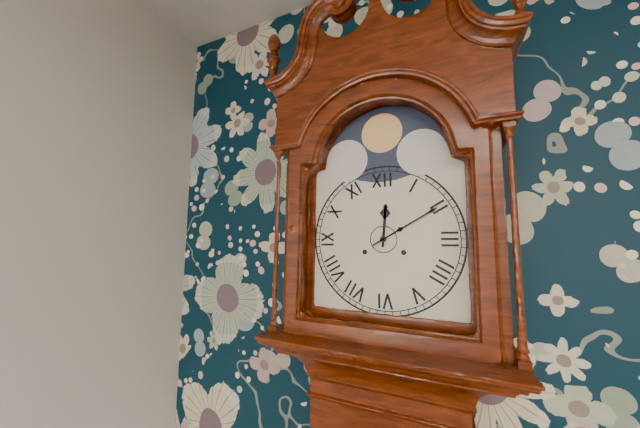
12:10
